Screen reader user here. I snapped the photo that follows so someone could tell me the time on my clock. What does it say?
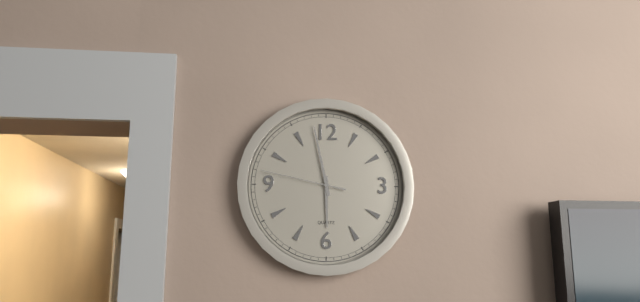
5:58:47
